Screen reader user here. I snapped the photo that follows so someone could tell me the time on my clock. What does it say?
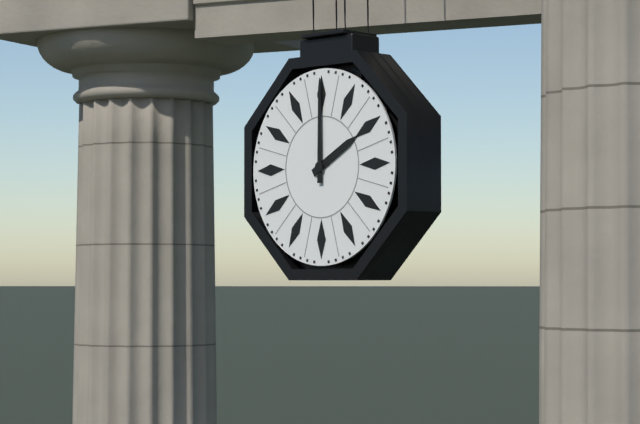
2:00
